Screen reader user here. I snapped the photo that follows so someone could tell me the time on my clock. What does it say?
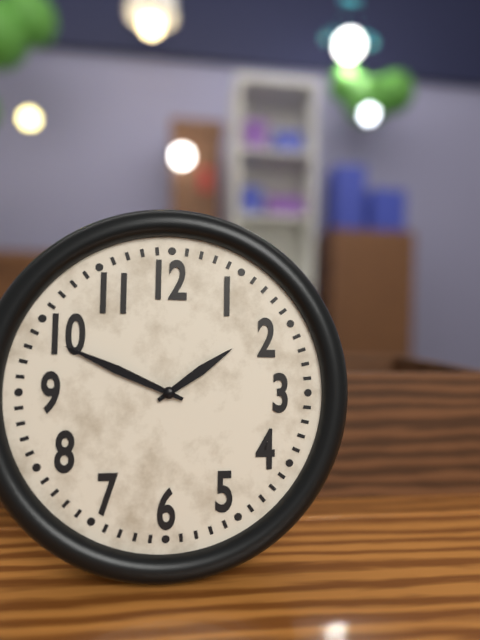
1:49
